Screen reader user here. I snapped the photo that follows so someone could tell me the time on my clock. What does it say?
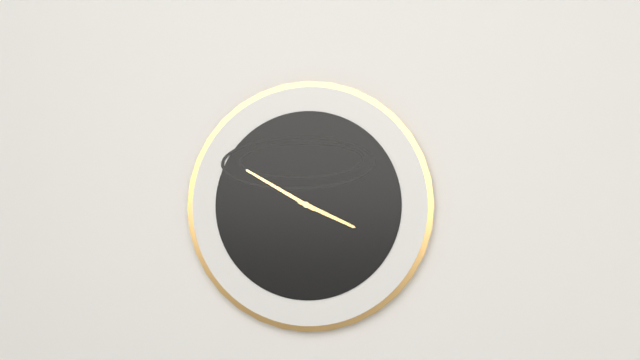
3:50
